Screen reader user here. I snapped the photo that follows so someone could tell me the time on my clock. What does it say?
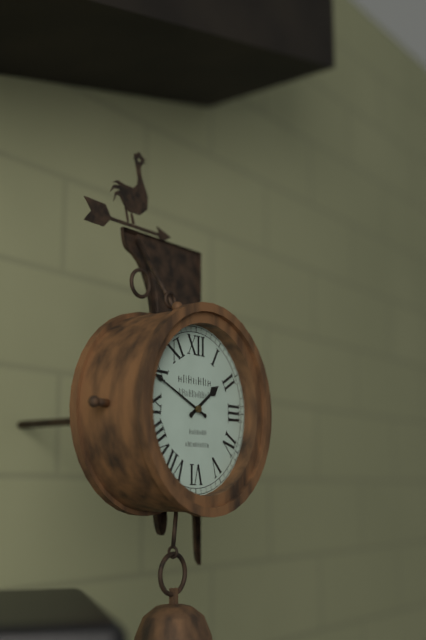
1:49
